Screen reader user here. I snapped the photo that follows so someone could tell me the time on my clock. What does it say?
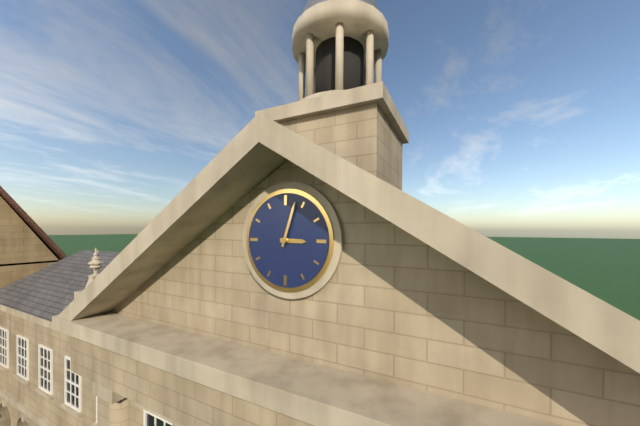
3:03
